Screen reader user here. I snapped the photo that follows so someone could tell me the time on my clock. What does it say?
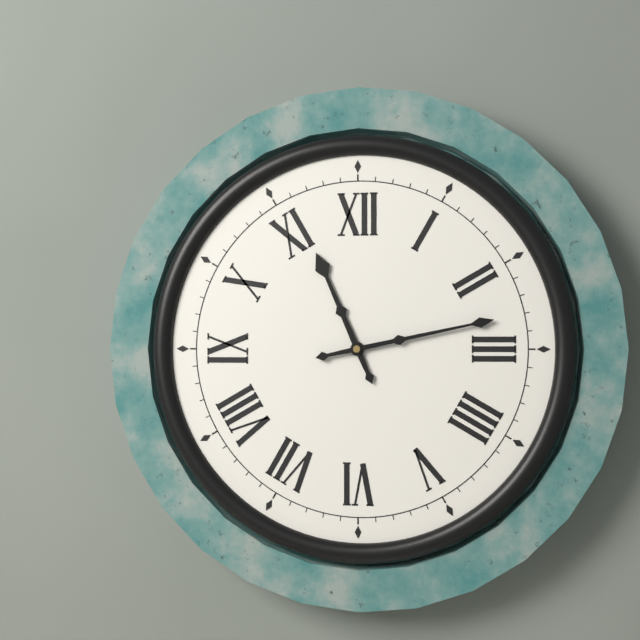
11:13
